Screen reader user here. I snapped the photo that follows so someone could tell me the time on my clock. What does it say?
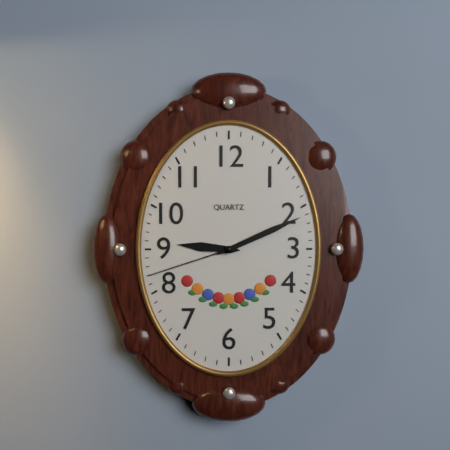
9:11:42
